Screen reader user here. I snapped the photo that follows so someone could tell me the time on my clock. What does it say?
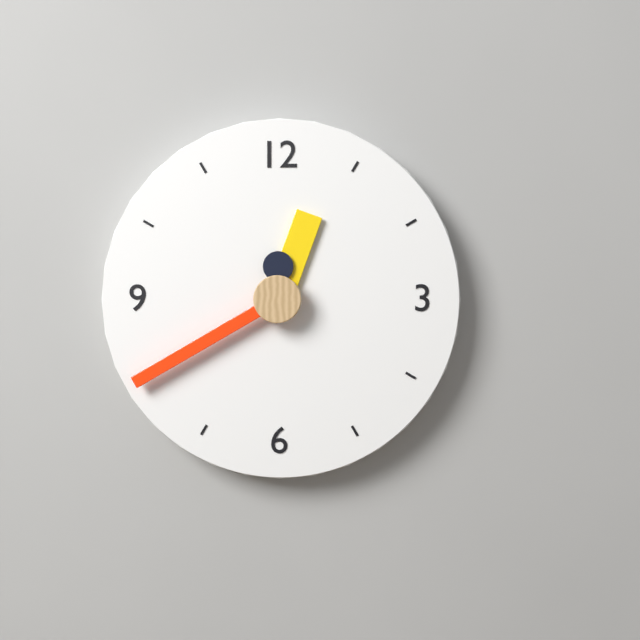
12:40
